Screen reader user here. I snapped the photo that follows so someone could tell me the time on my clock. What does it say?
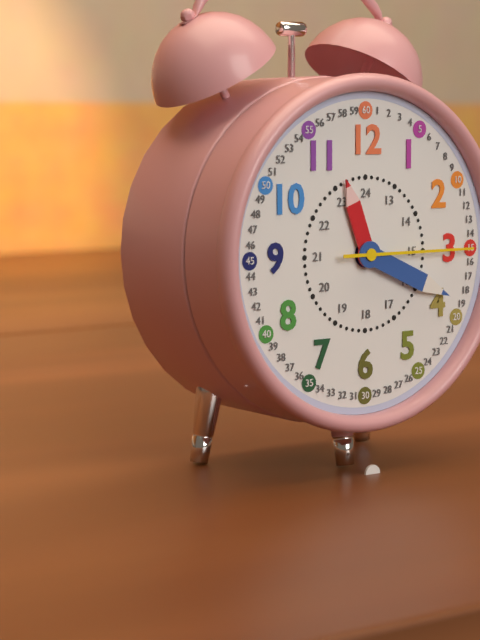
11:19:15
